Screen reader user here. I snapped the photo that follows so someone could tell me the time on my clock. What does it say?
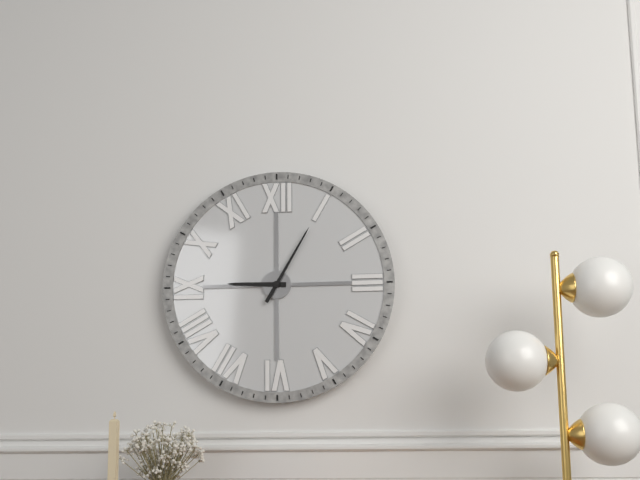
9:05
